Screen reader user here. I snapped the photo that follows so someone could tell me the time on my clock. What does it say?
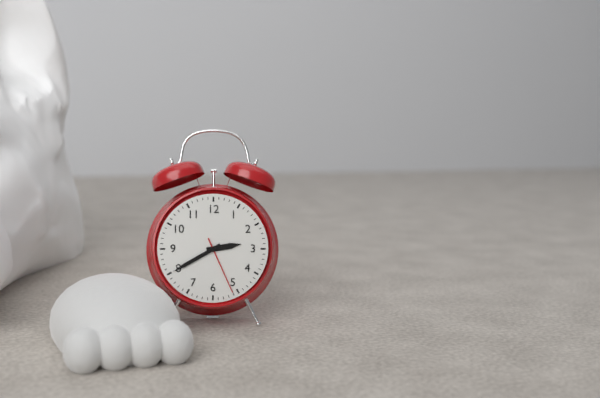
2:40:26
